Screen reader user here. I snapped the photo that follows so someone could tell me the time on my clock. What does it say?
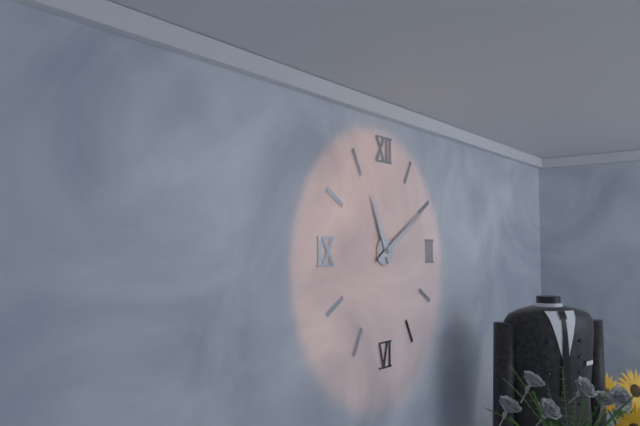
11:10
